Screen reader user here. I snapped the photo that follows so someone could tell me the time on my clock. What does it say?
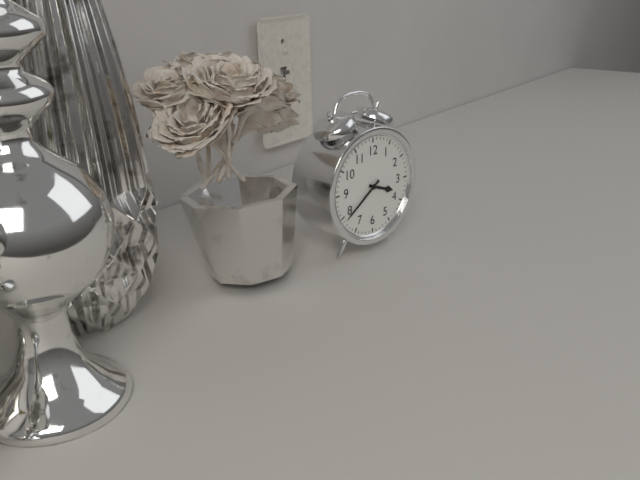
3:39
